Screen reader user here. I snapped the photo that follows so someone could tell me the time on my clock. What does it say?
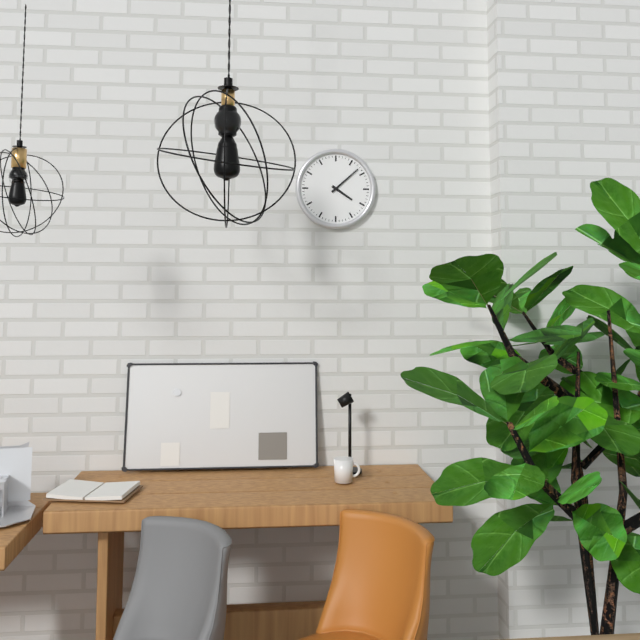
4:08
